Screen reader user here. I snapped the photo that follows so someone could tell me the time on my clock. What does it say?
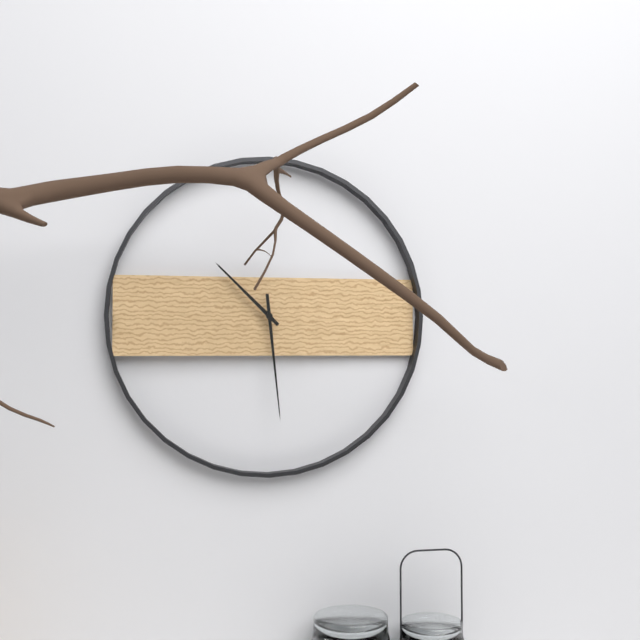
10:29
